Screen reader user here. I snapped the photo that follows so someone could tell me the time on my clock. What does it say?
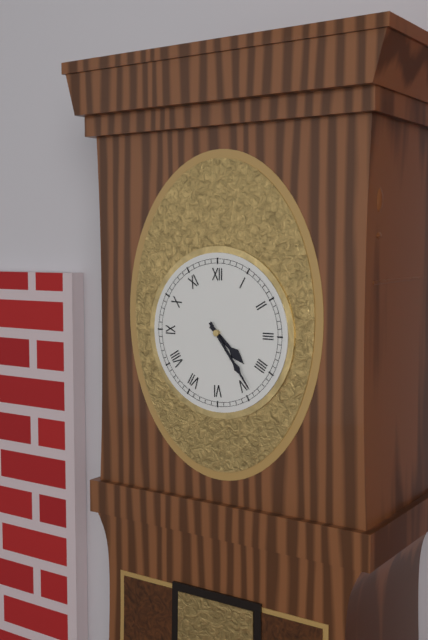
4:24
